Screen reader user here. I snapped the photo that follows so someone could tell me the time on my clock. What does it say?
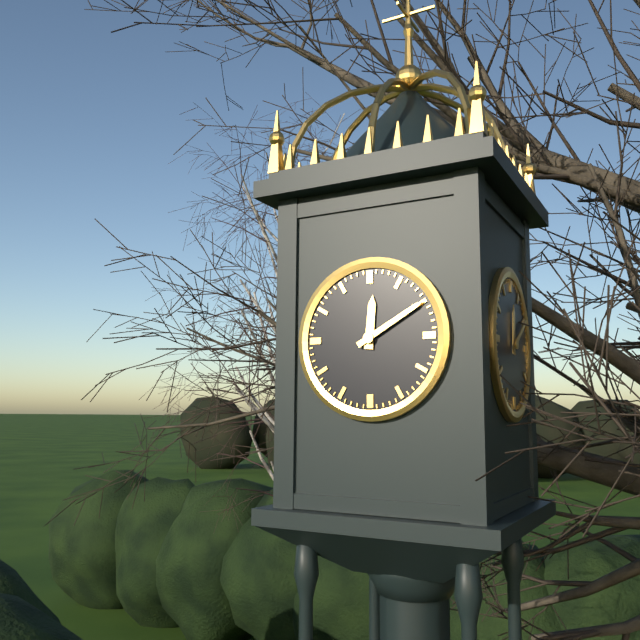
12:10
